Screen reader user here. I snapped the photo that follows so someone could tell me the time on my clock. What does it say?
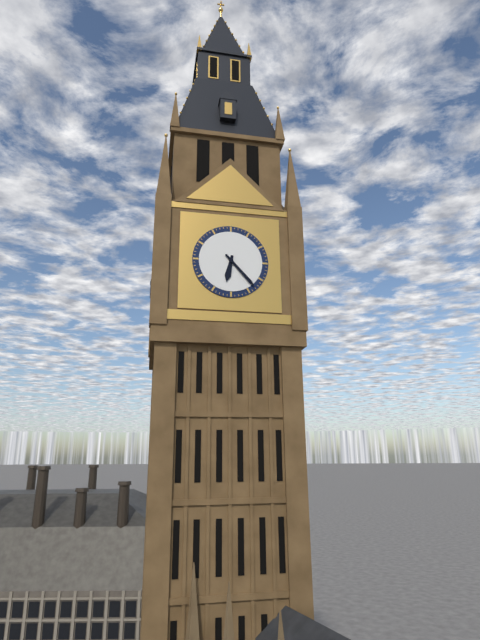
6:23
